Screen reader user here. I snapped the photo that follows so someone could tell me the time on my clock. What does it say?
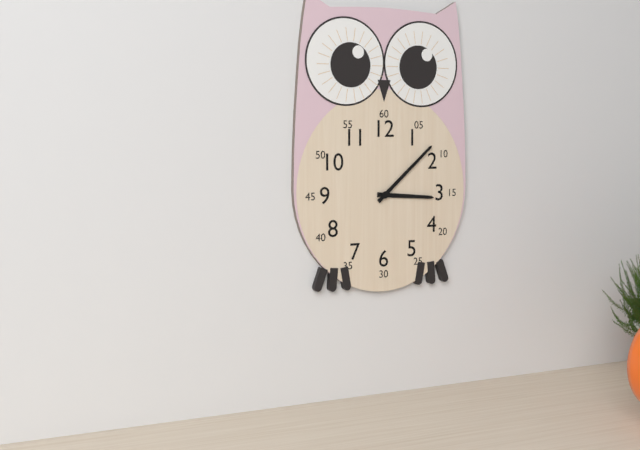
3:08
